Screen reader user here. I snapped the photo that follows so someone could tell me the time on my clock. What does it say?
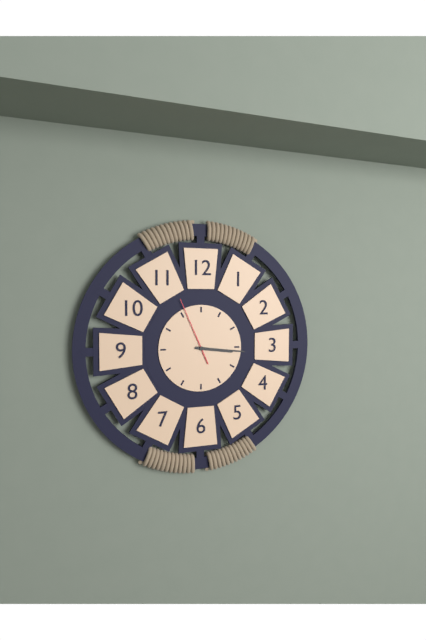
3:16:56
